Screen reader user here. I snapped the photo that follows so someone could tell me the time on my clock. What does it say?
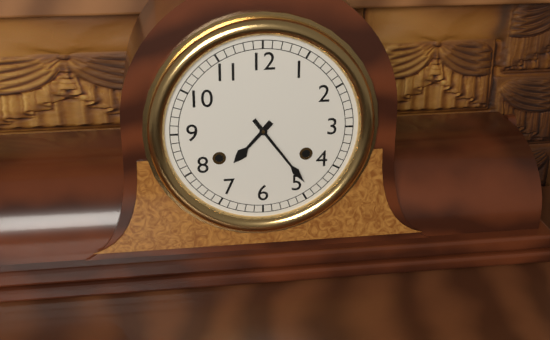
7:24
